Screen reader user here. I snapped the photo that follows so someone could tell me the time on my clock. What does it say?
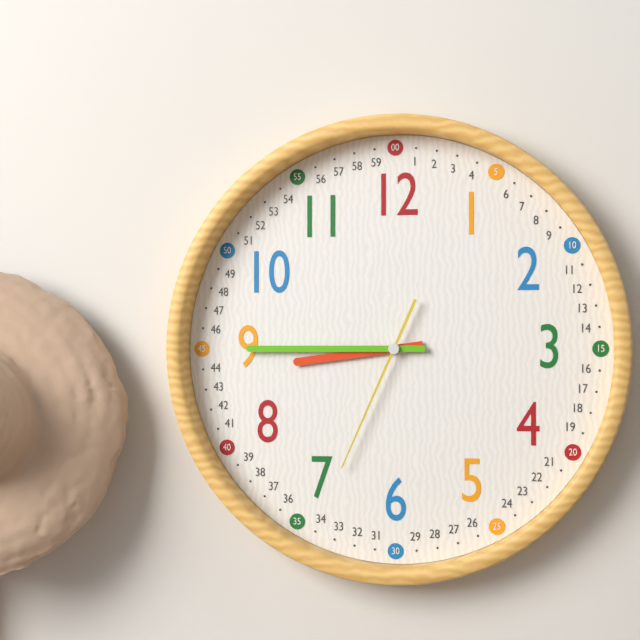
8:45:34
